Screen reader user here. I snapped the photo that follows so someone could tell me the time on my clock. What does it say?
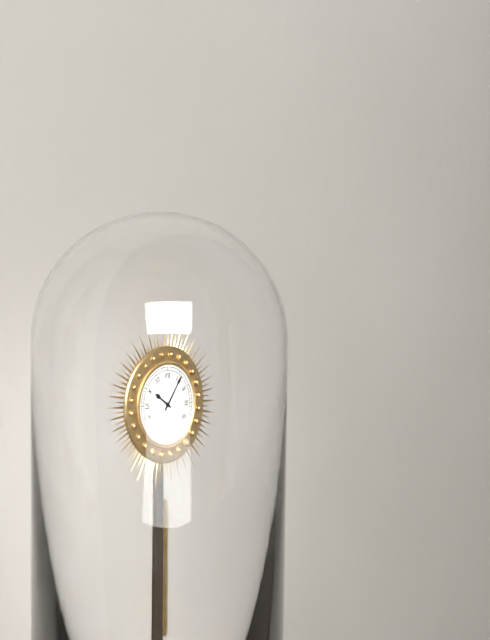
10:06
